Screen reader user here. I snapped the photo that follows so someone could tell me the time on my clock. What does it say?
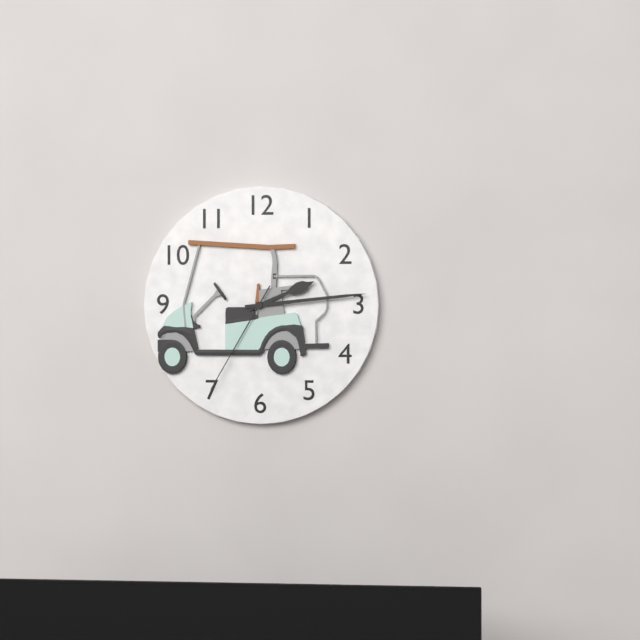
2:14:35
